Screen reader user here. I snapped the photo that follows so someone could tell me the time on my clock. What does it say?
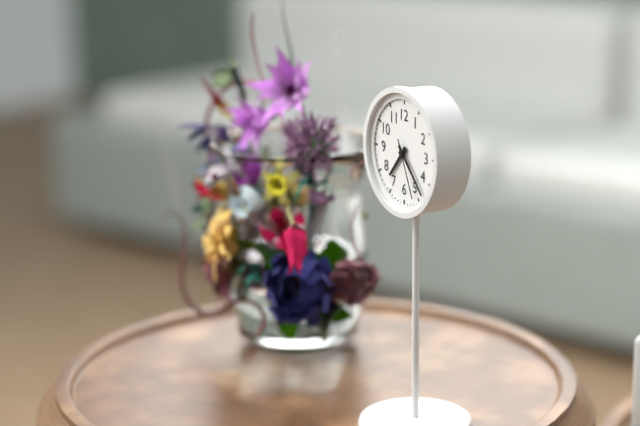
7:23:26
